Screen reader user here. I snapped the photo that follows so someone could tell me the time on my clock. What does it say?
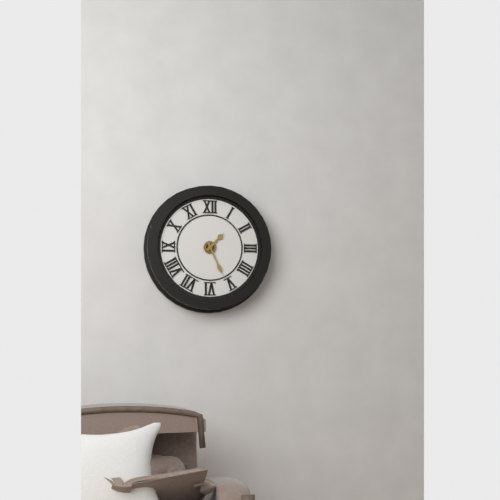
1:26
